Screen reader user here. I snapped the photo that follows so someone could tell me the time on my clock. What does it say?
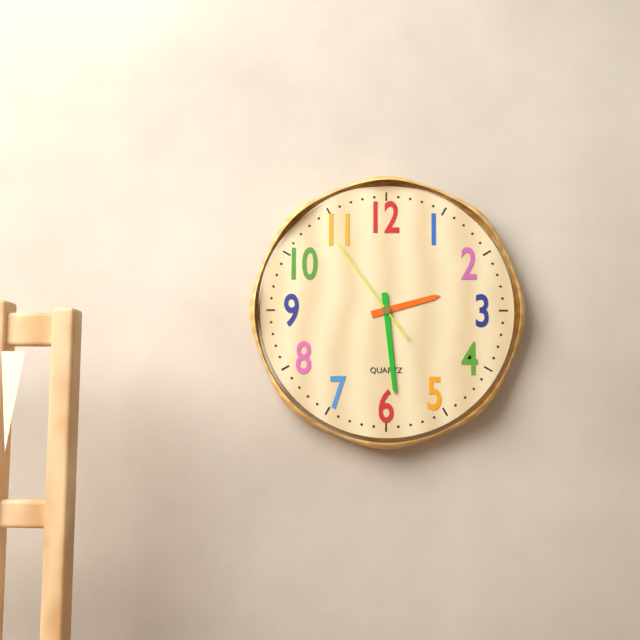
2:29:54
